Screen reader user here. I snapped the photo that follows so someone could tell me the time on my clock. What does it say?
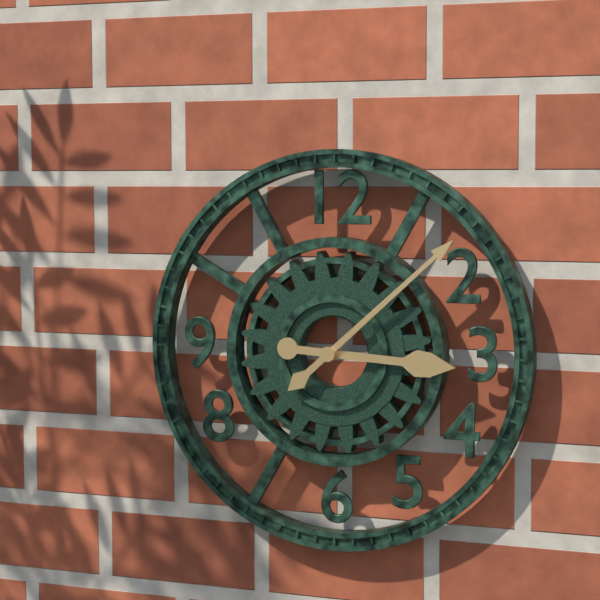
3:08
